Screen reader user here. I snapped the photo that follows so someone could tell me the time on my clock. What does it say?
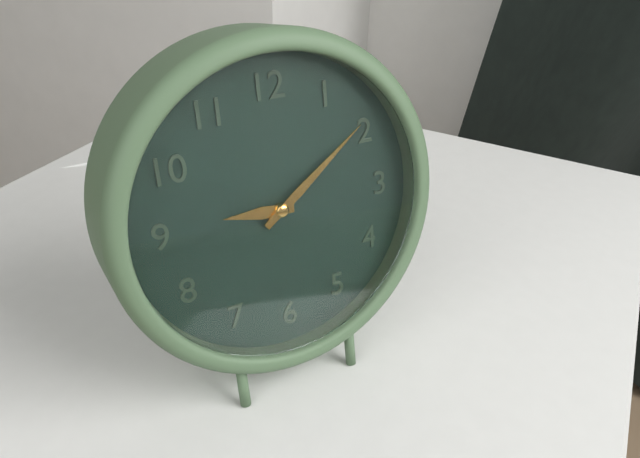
9:09
